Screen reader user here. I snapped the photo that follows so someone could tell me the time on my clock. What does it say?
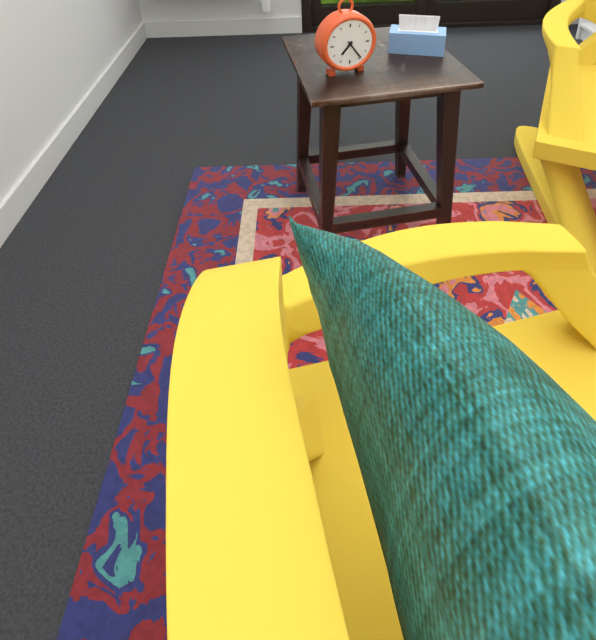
7:24
